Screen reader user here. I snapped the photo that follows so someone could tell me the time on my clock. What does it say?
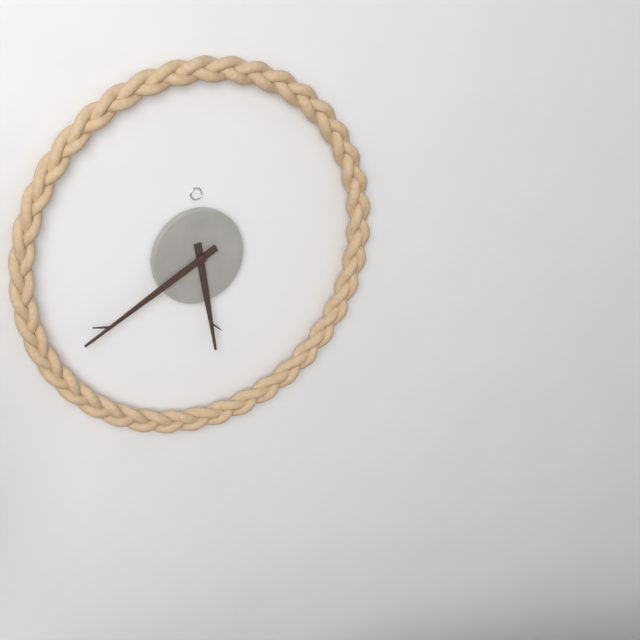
5:40
